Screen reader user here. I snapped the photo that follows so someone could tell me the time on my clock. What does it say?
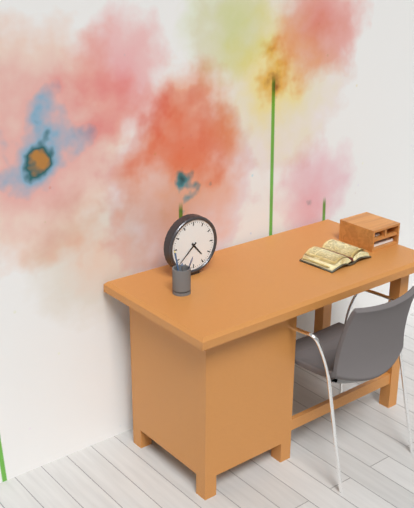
4:38
